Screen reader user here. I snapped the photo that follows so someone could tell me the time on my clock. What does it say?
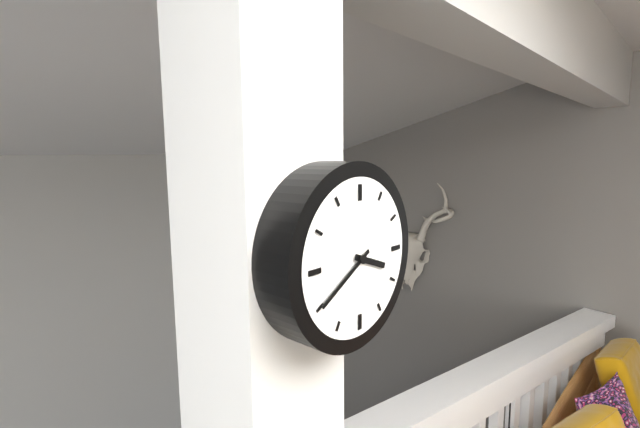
3:40
